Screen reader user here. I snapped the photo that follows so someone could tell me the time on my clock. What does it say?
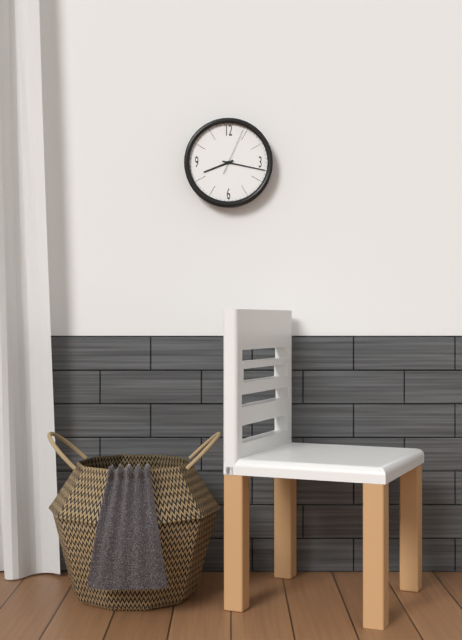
8:17
